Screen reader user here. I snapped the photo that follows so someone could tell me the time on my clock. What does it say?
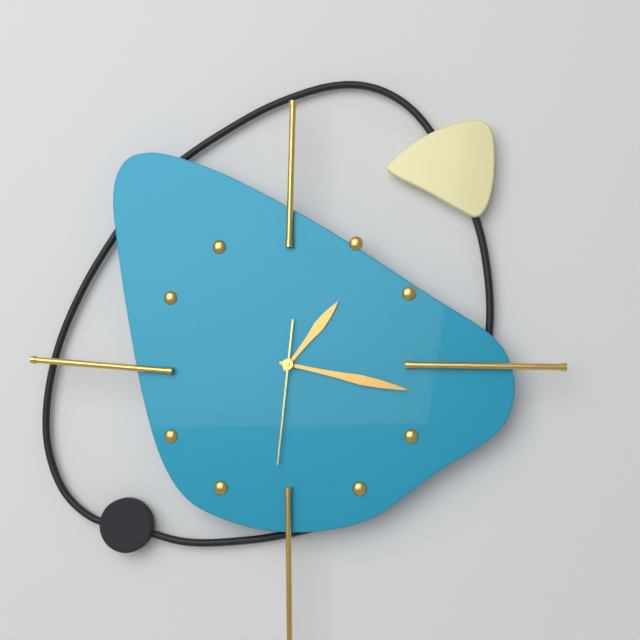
1:17:31
